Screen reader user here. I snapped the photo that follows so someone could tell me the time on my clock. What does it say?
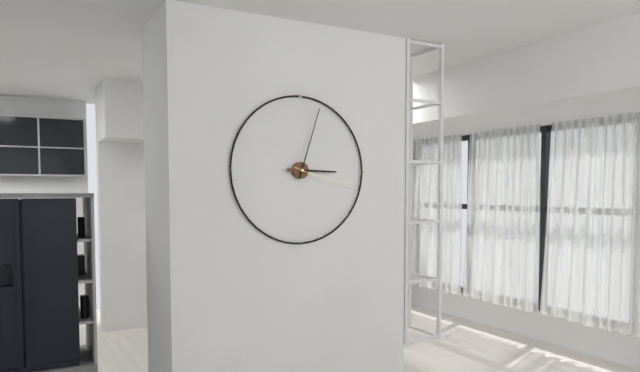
3:03:18
